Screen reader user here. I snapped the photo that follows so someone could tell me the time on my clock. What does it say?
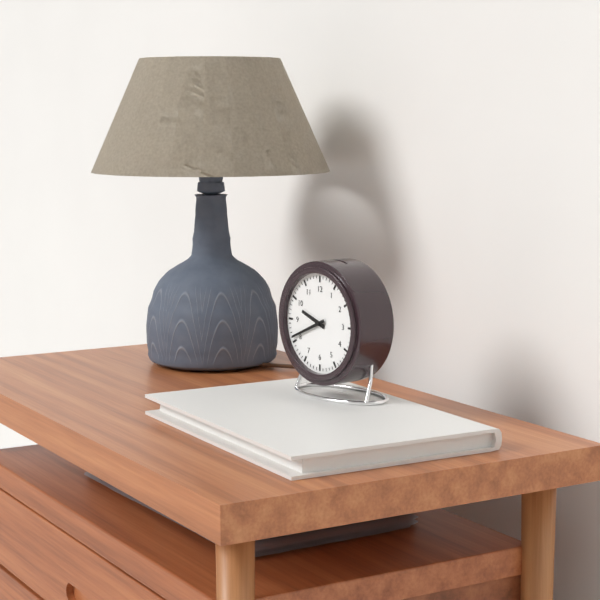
9:41
